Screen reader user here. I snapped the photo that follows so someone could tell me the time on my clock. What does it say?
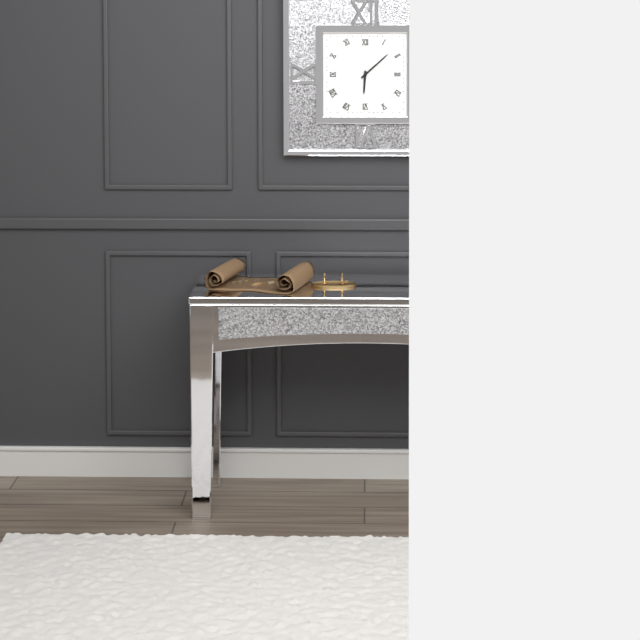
6:08
